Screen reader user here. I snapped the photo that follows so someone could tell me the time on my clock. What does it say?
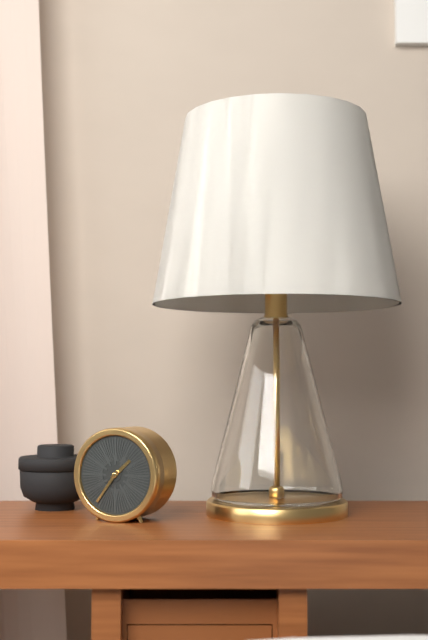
1:36
